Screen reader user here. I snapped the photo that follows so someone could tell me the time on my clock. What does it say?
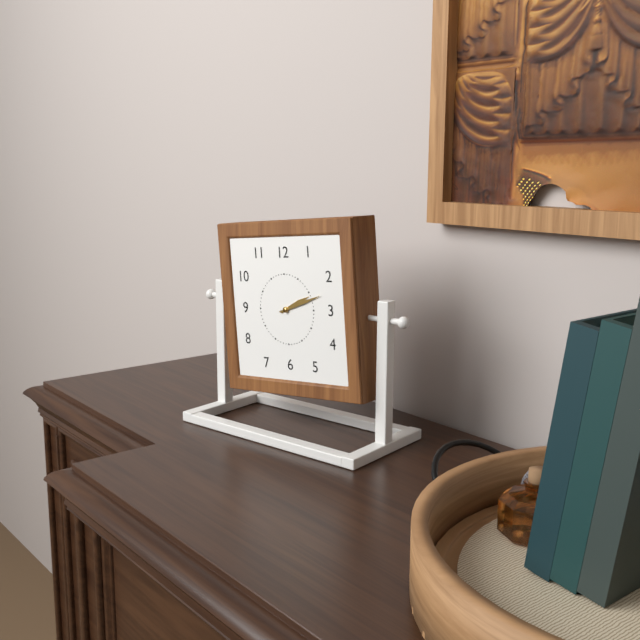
2:12
